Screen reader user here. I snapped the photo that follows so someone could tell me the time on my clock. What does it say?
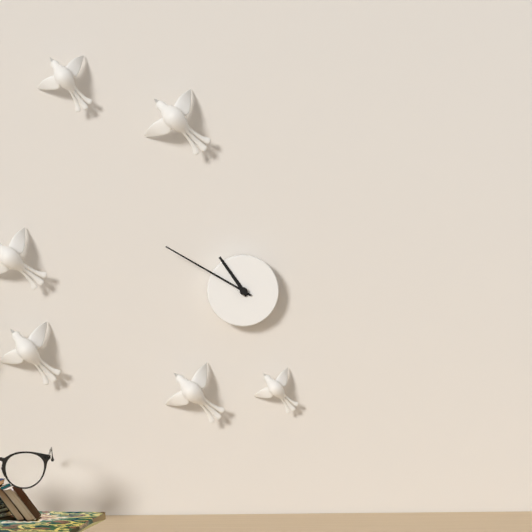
10:50
